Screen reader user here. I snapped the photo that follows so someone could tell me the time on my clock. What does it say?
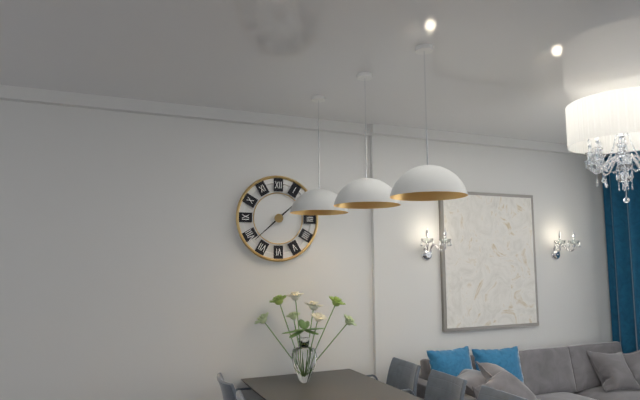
1:38
